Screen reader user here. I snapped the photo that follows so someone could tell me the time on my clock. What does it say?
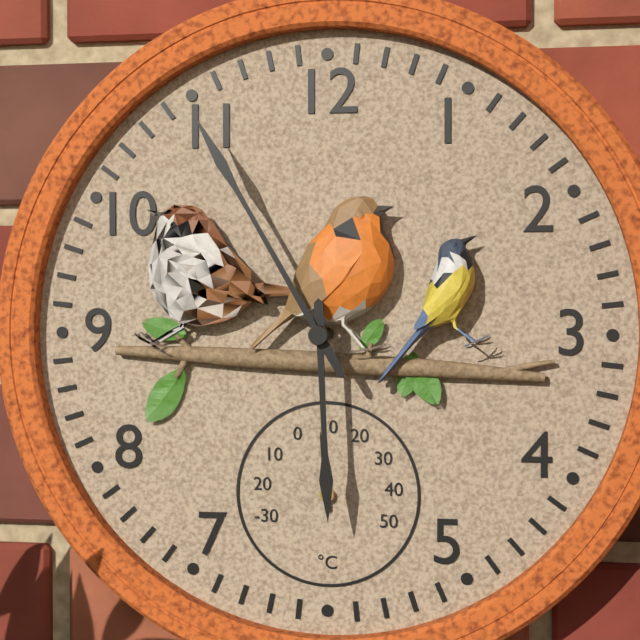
5:55
